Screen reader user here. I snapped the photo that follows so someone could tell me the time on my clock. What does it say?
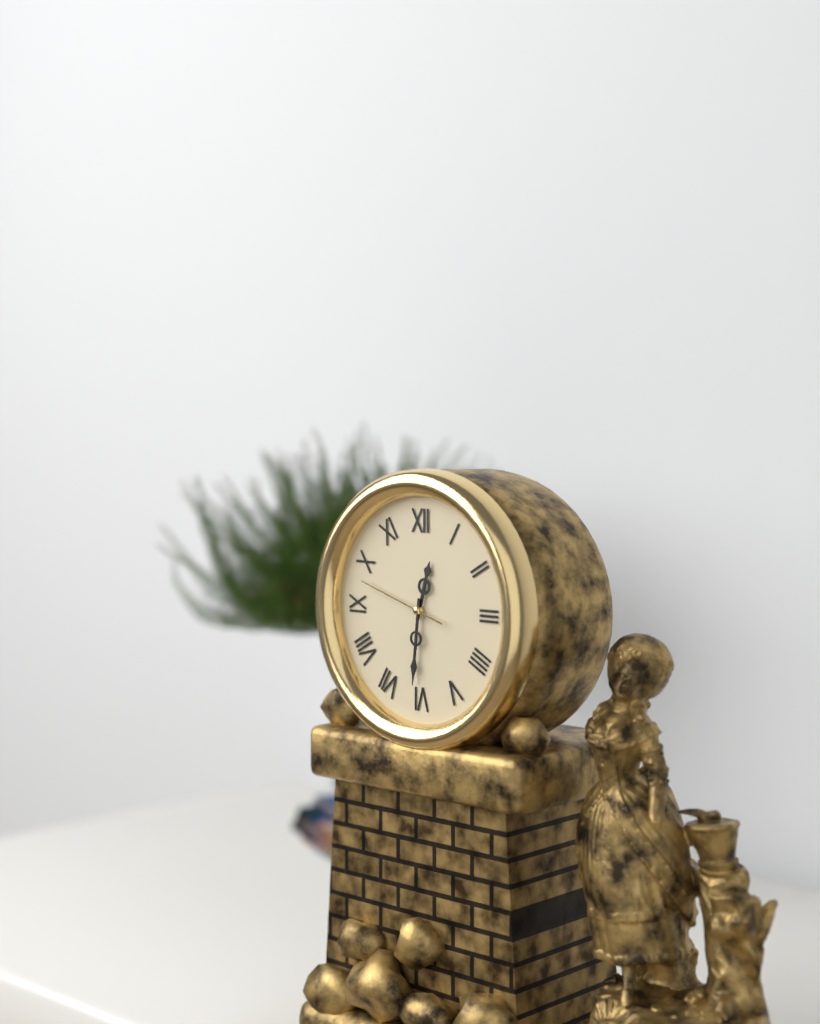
12:31:48
